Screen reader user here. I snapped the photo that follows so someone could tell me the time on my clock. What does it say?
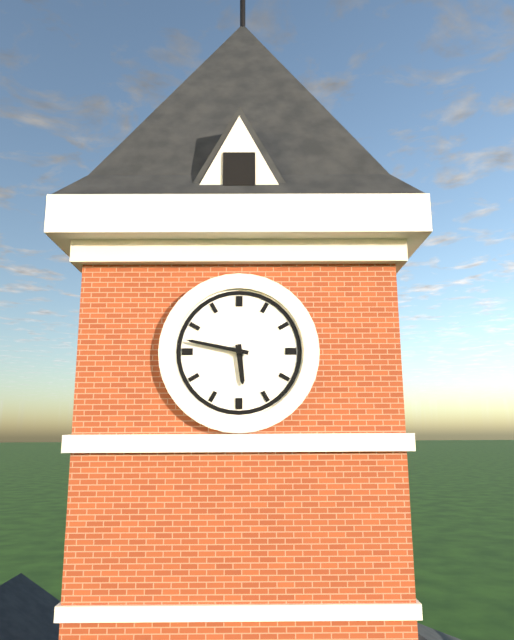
5:47
